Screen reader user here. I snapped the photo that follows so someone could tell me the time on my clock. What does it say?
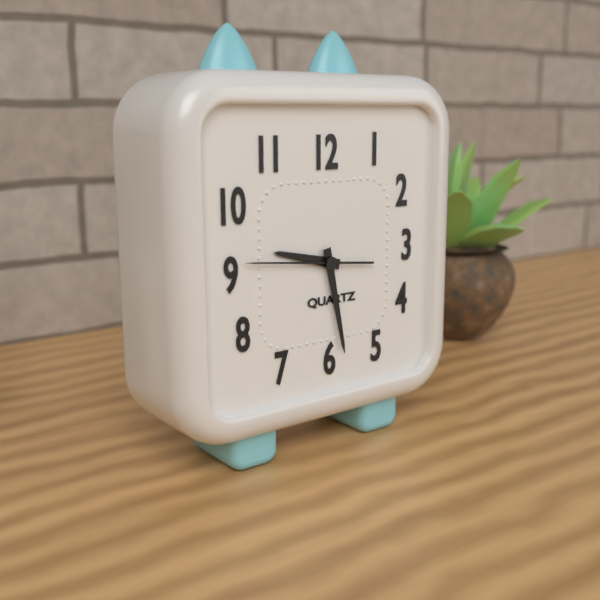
9:28:46
